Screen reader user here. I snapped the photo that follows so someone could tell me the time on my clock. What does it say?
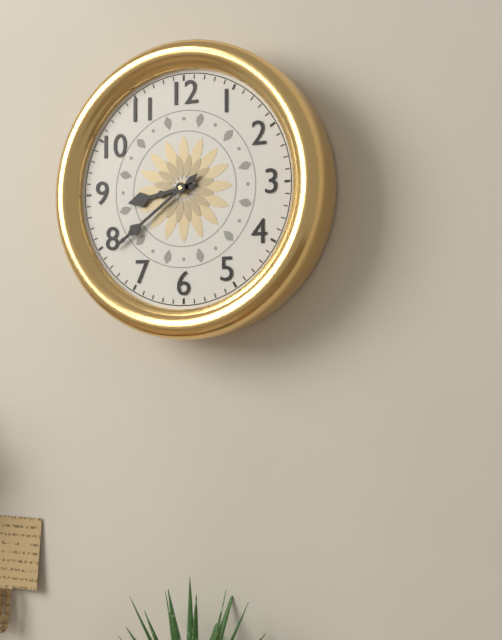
8:39
